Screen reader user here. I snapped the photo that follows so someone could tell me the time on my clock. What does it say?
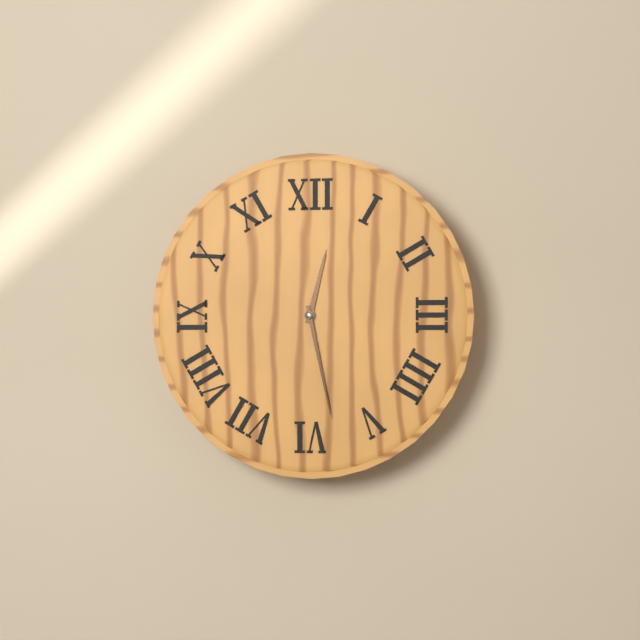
12:28
